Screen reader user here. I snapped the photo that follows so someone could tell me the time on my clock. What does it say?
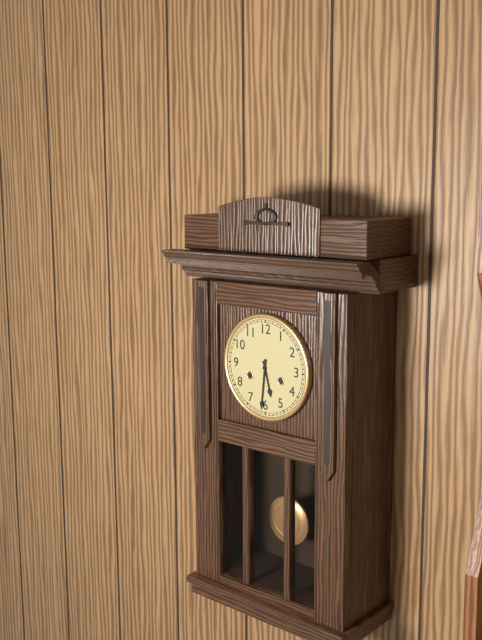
5:31
